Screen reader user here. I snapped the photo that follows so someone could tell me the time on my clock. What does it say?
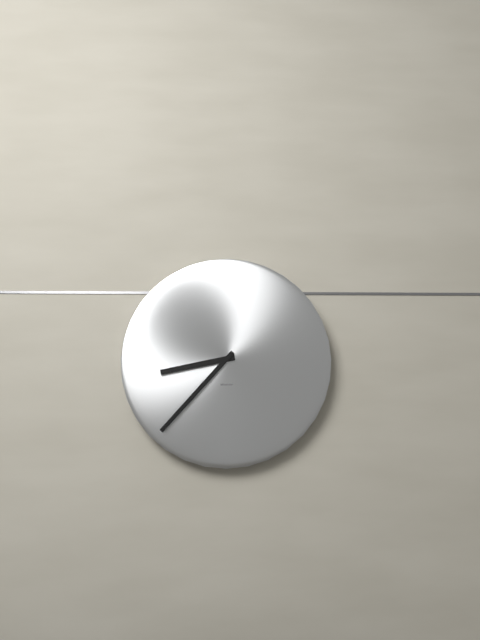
8:37
